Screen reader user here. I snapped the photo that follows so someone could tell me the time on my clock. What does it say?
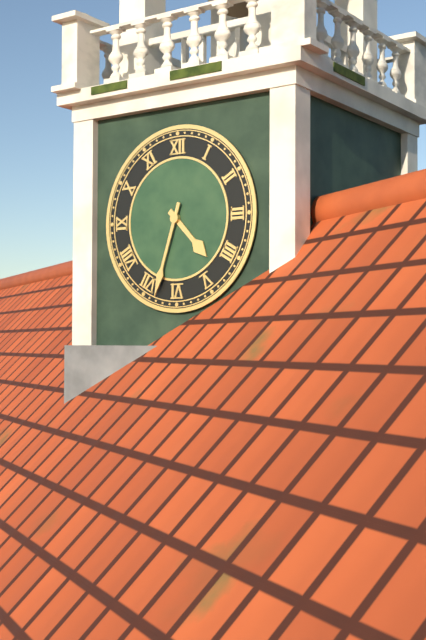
4:33
